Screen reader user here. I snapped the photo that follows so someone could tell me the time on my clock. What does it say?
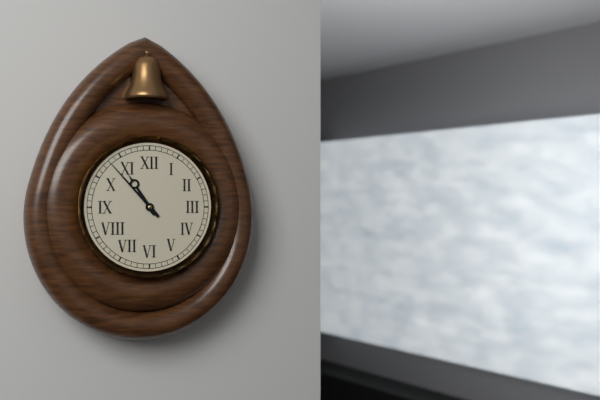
10:53
